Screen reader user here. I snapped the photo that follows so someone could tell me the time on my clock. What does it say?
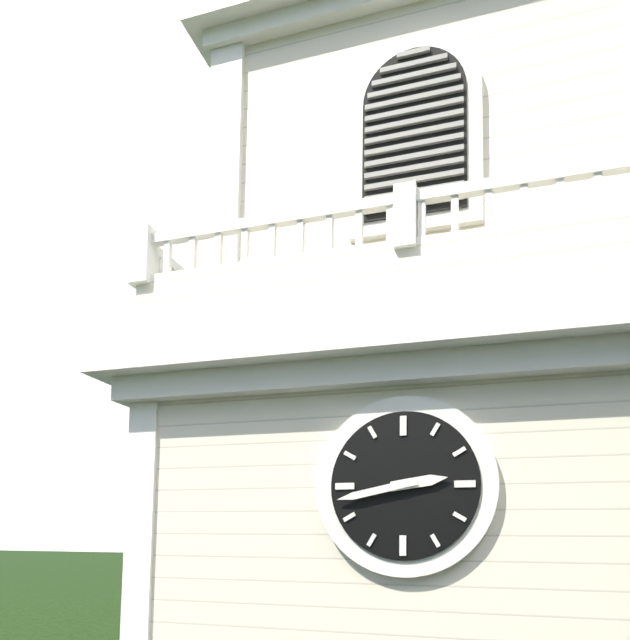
2:43
